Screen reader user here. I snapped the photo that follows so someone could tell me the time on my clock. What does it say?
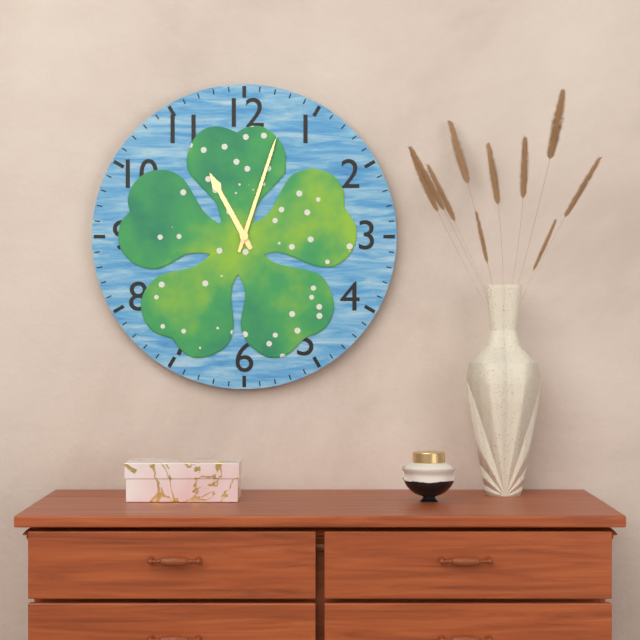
11:03
